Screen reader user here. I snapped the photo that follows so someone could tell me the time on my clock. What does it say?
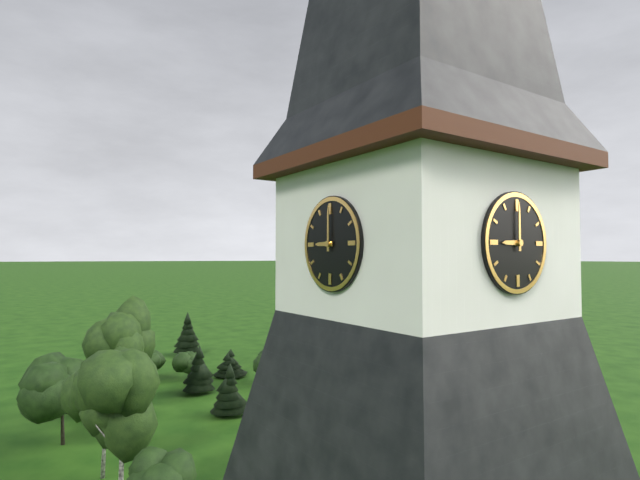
9:00
